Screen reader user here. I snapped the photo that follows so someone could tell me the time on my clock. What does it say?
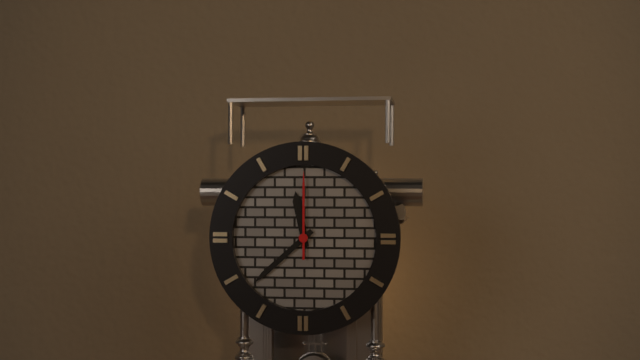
11:38:00
